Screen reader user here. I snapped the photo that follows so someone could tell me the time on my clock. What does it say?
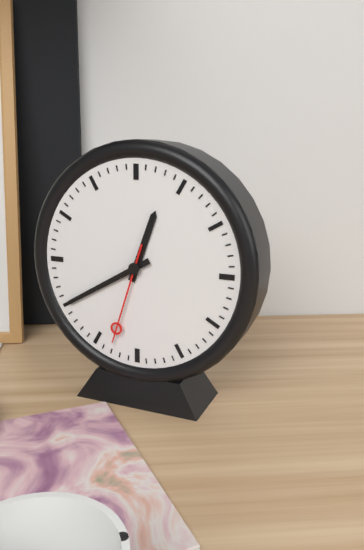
12:40:33
